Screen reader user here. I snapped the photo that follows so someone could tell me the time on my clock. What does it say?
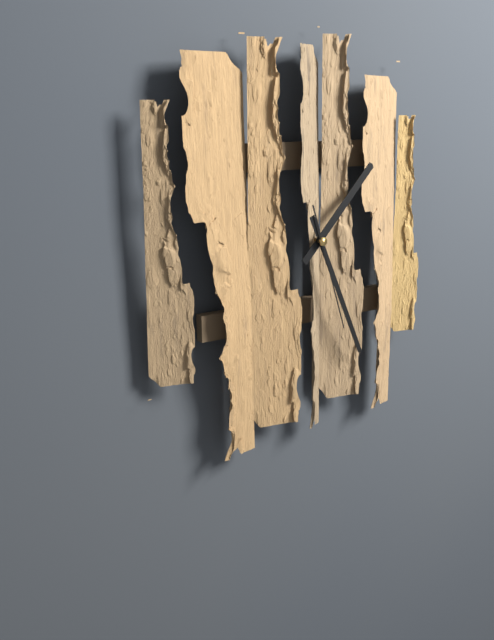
1:26:27
